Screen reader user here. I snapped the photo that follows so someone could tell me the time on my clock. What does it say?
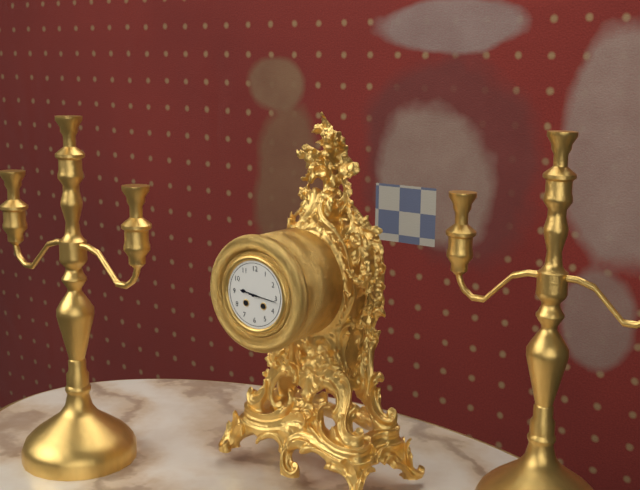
9:16
